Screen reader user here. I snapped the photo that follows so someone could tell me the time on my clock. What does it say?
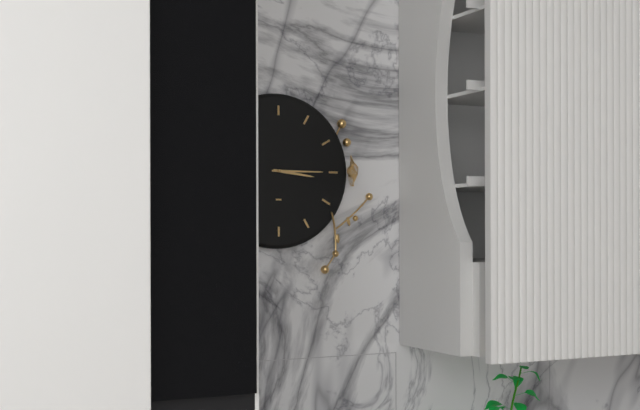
3:15
